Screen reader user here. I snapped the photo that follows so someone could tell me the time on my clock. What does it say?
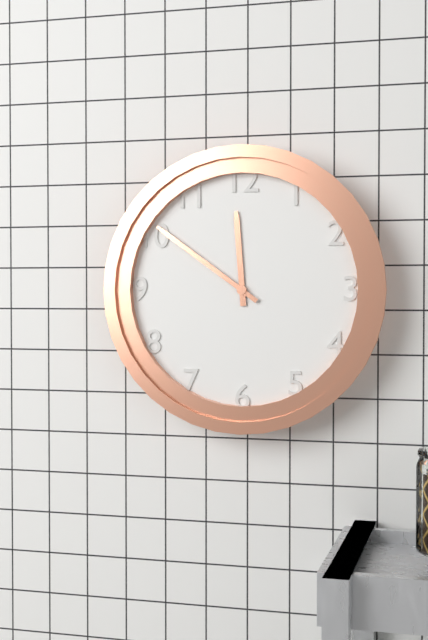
11:51
